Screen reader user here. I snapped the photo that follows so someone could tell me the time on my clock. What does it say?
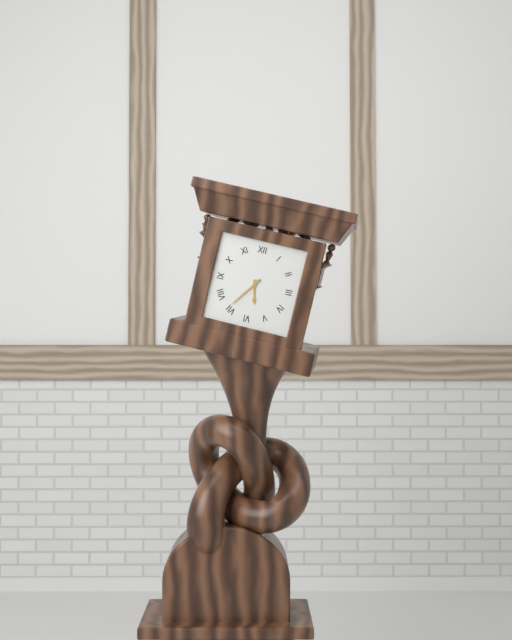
5:36
